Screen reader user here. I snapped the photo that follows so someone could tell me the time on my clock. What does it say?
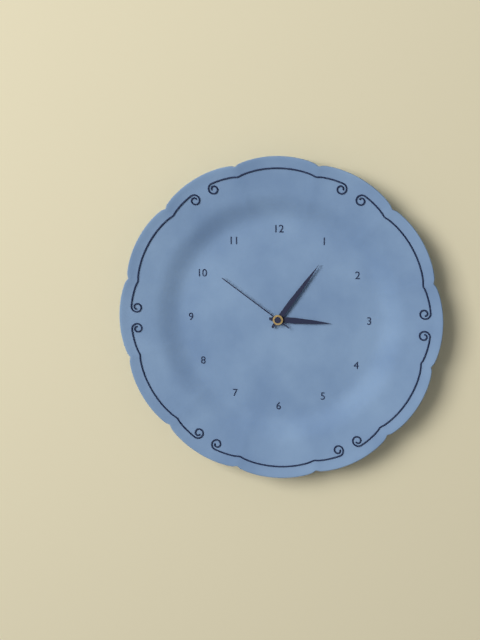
3:06:51
